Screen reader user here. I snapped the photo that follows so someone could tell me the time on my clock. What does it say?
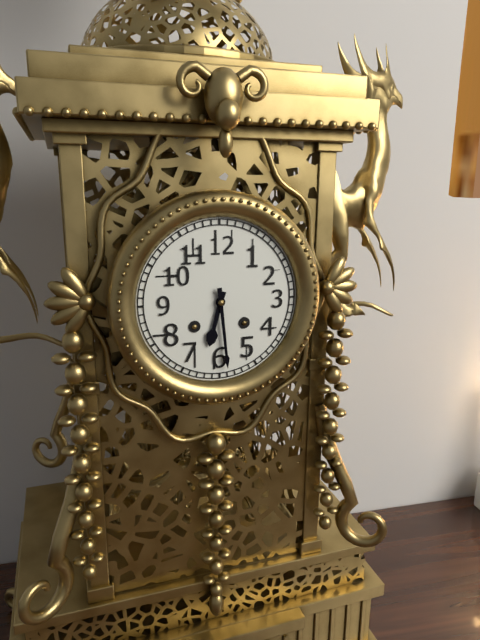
6:29
